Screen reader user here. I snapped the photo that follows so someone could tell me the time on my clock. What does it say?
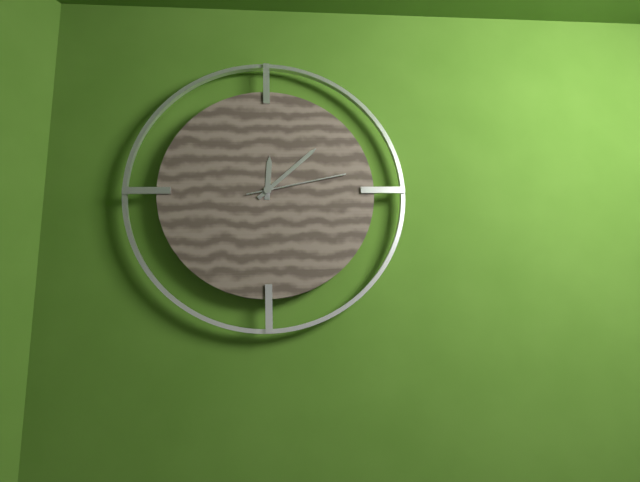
12:08:13
